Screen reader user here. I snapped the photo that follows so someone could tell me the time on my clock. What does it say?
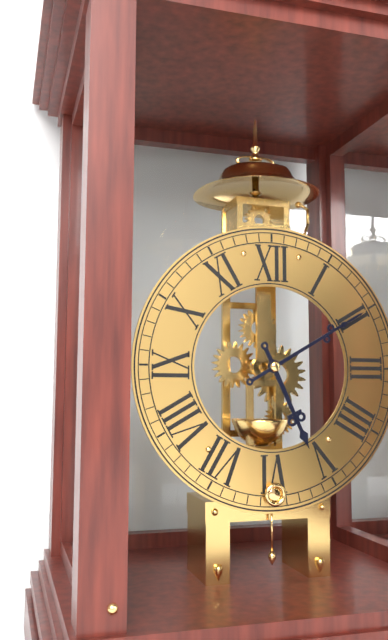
5:10
